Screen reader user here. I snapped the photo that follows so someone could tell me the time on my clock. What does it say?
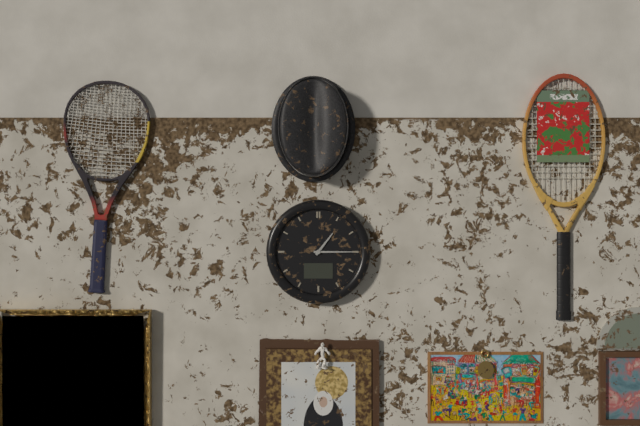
1:15
